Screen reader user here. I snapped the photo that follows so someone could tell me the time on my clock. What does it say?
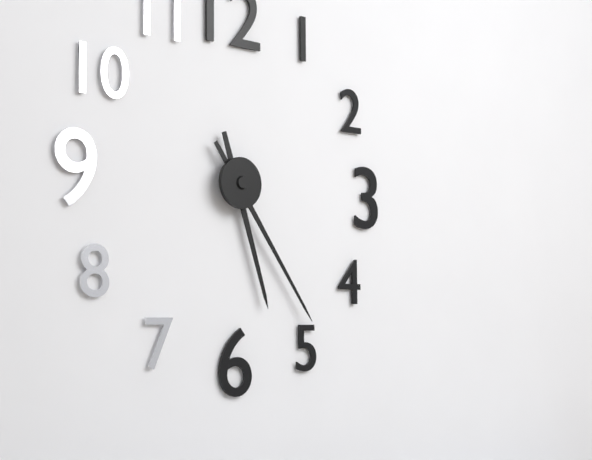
5:24
